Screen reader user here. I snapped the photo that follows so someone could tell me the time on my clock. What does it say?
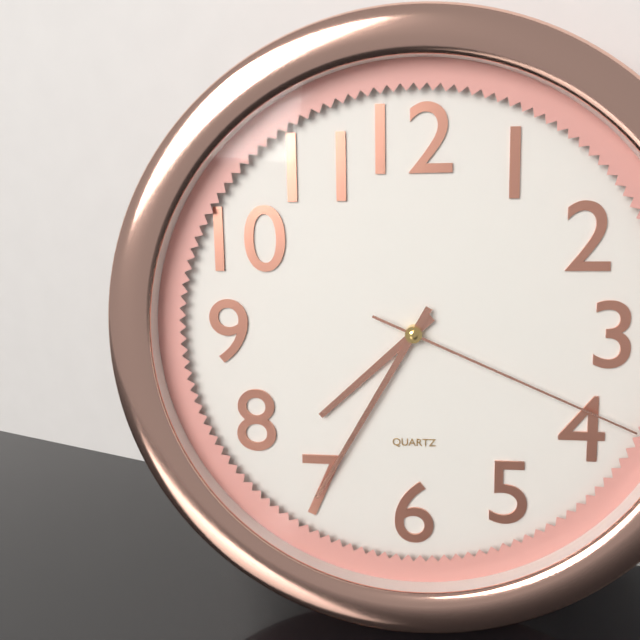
7:35:19
